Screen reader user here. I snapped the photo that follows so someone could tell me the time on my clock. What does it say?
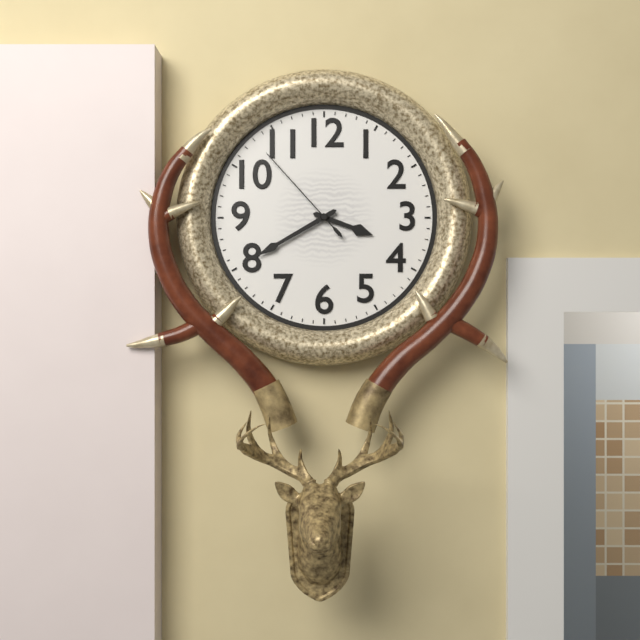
3:40:53
